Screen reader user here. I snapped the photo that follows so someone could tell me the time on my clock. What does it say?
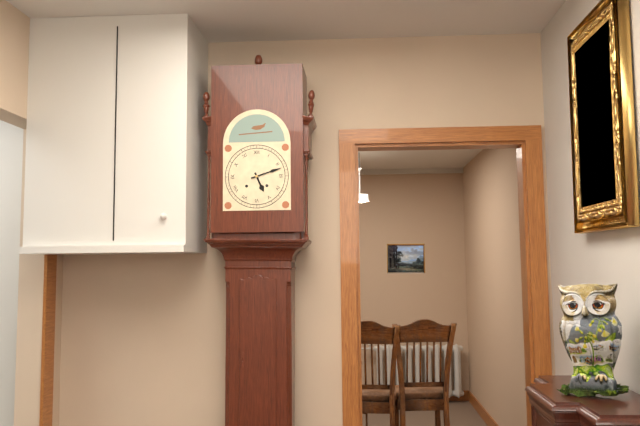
5:12
